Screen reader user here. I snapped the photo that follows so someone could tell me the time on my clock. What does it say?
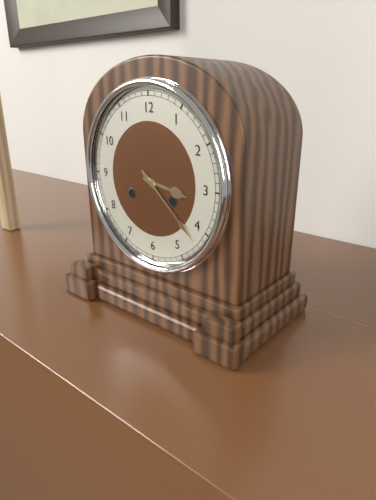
3:22
